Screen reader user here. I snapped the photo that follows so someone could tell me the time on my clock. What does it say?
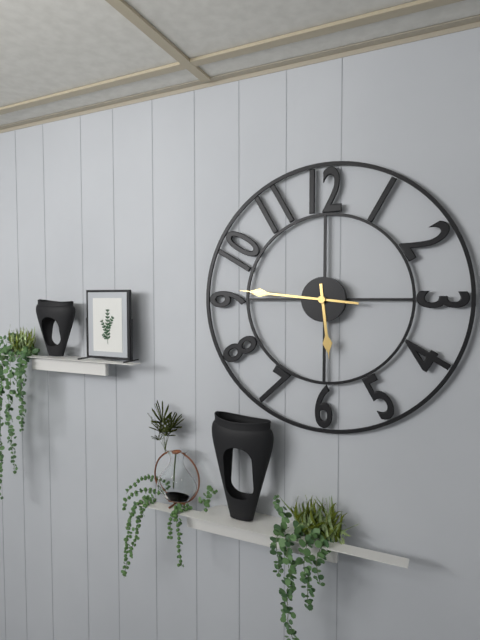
5:46
